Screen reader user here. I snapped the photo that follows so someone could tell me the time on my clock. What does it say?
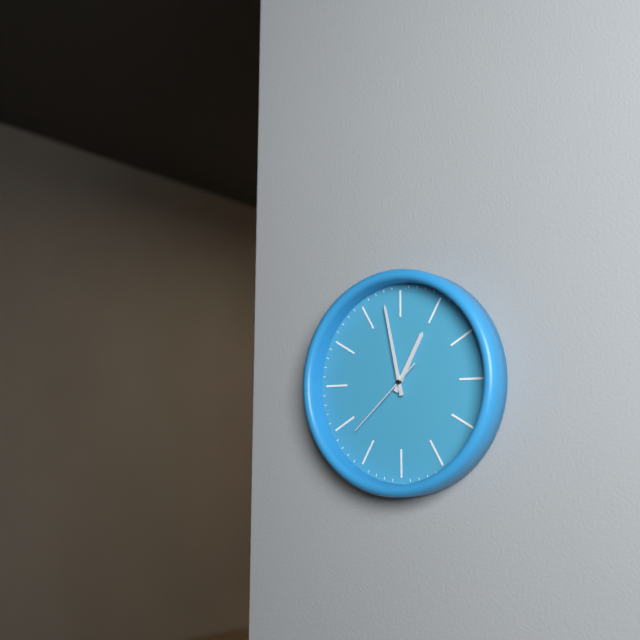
12:58:38
